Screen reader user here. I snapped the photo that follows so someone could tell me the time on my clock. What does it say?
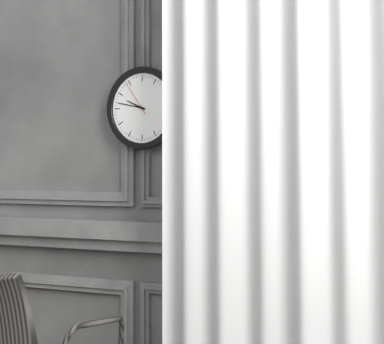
9:47
